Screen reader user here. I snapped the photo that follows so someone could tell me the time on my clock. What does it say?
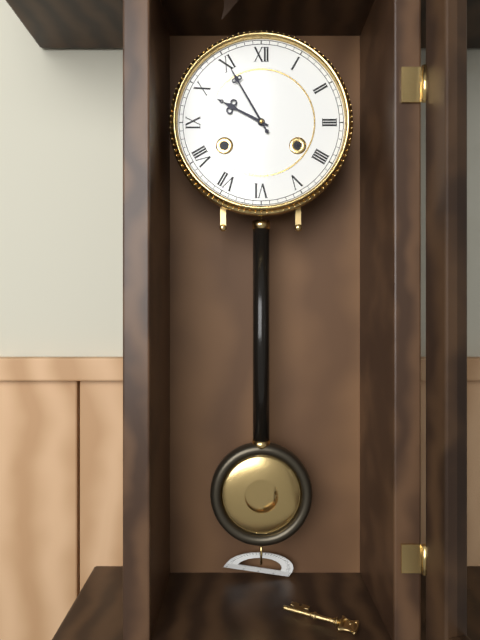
9:55
